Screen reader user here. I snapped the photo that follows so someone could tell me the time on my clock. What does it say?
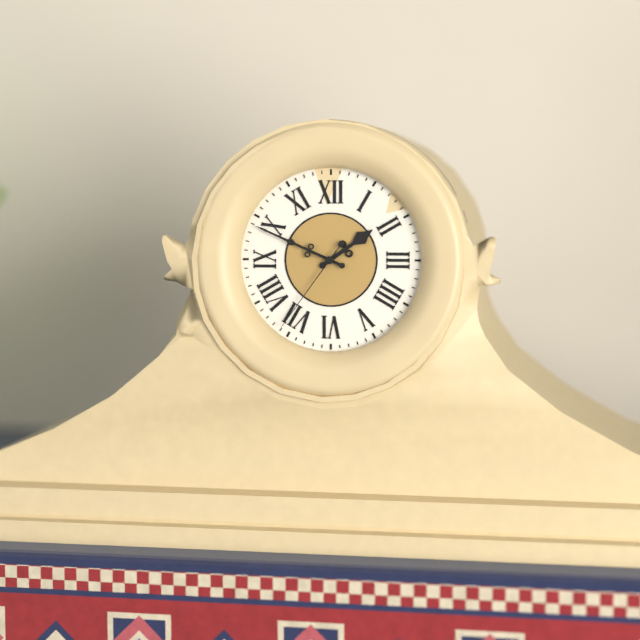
1:49:36
